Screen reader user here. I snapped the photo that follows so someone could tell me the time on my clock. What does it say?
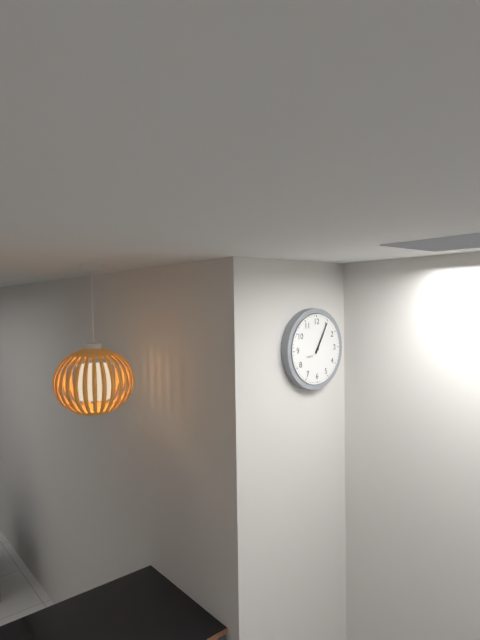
1:05
